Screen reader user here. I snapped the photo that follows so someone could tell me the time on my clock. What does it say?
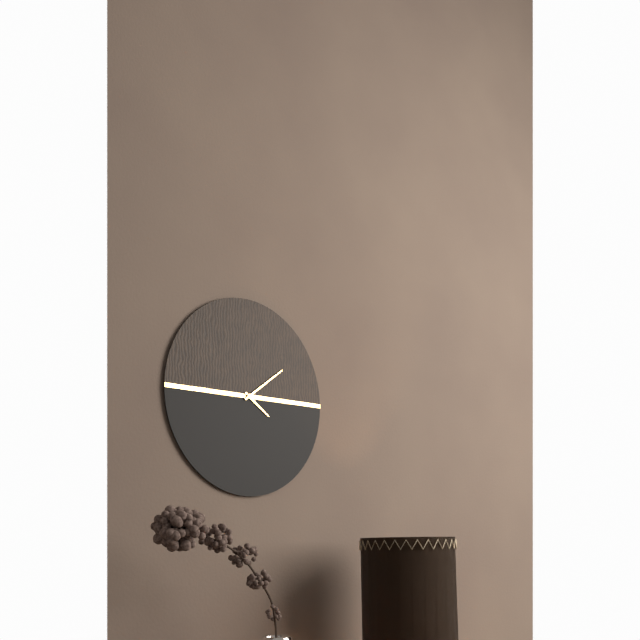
4:09
